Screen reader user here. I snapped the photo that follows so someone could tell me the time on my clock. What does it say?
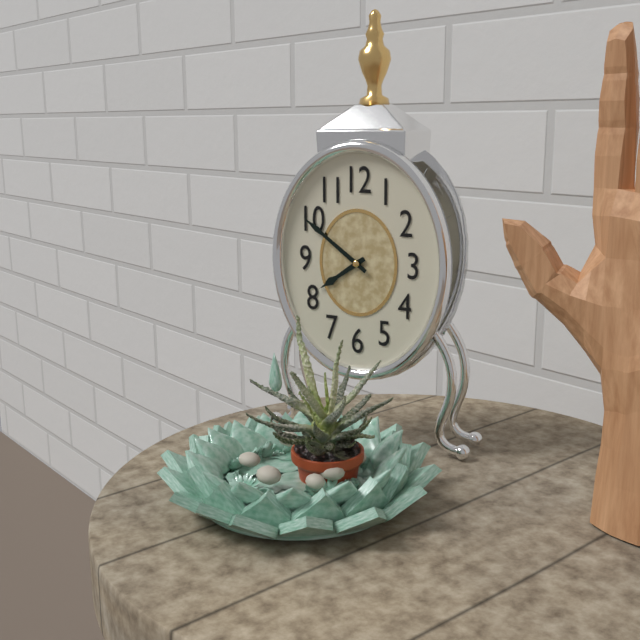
7:51
